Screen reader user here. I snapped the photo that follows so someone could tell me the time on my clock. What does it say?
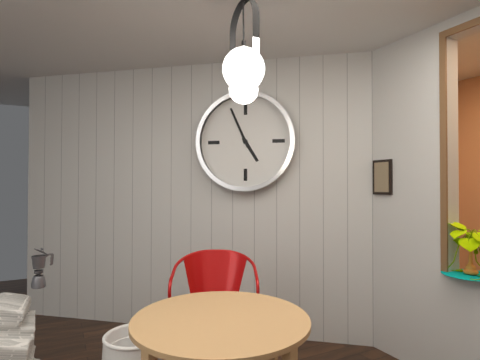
4:56
